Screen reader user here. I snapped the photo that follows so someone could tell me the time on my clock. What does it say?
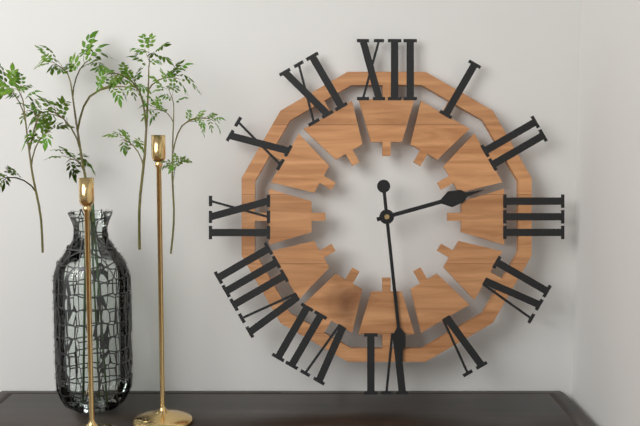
2:29
